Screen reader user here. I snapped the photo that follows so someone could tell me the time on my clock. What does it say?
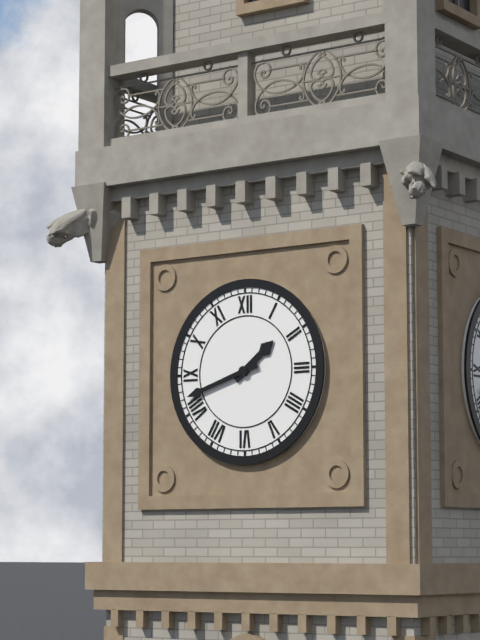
1:42
